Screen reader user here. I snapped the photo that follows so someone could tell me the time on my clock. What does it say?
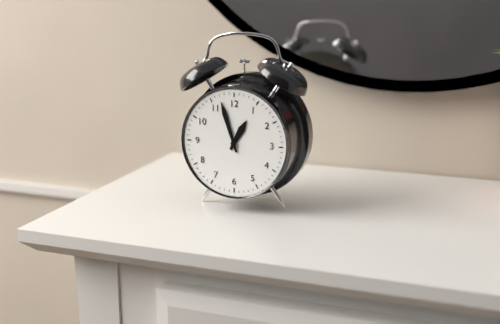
12:57
